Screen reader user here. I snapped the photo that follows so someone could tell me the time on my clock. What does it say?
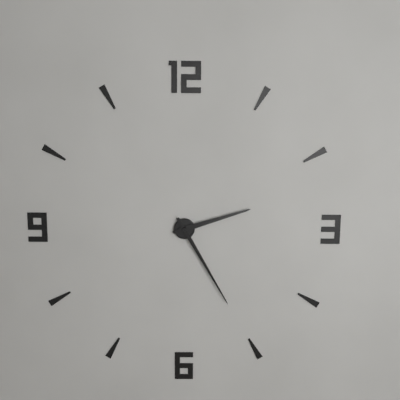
2:25
